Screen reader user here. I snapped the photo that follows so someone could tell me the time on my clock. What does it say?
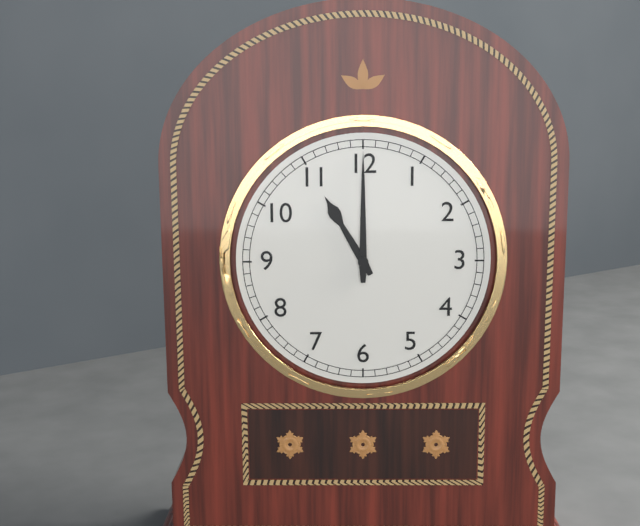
11:00
